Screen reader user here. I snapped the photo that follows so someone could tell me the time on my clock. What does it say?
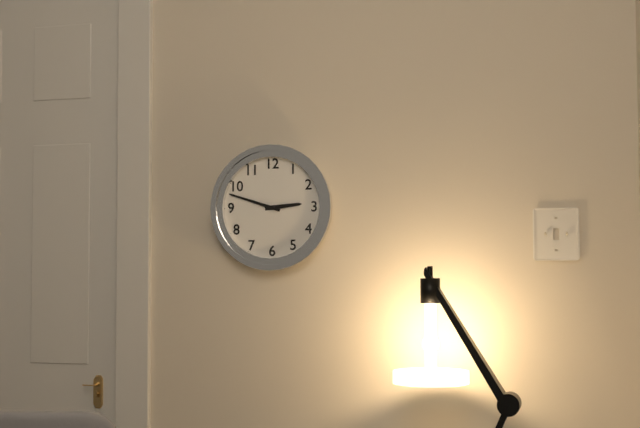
2:48
